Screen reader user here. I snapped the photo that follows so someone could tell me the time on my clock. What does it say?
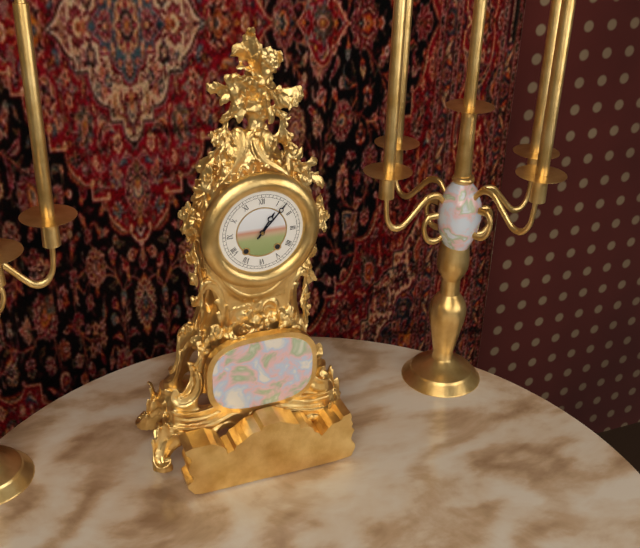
1:07
